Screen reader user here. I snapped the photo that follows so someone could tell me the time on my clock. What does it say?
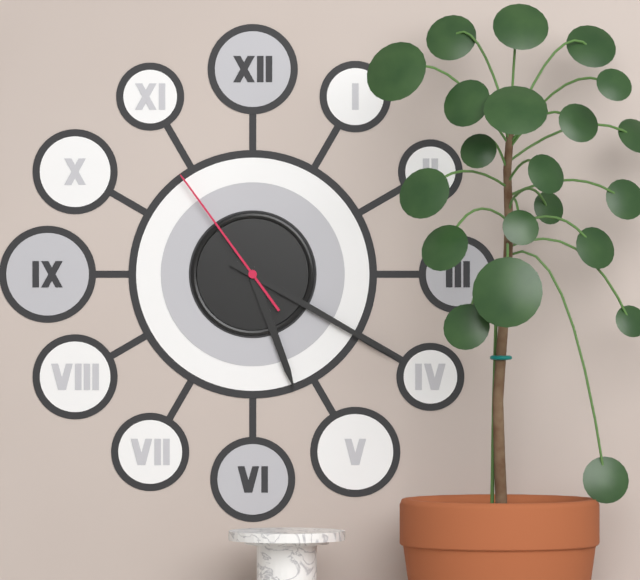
5:20:54
